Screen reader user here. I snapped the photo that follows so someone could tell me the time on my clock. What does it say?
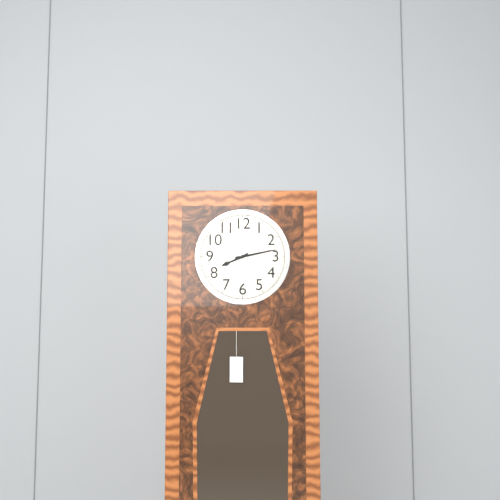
8:13
